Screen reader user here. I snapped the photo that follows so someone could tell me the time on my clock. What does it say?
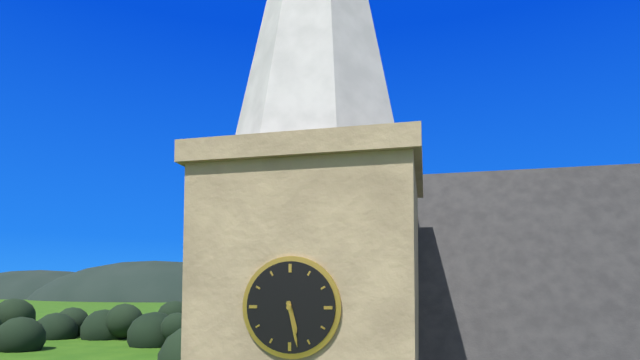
5:28
